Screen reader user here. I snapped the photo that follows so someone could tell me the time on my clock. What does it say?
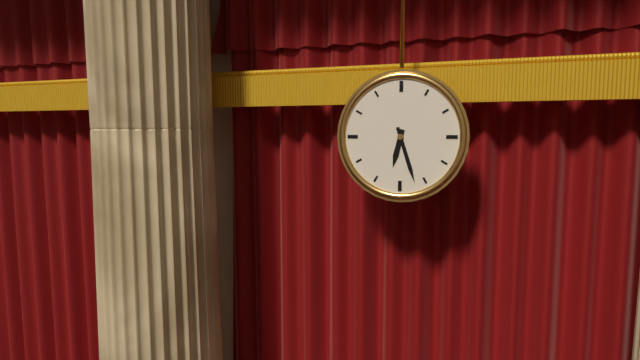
6:27
